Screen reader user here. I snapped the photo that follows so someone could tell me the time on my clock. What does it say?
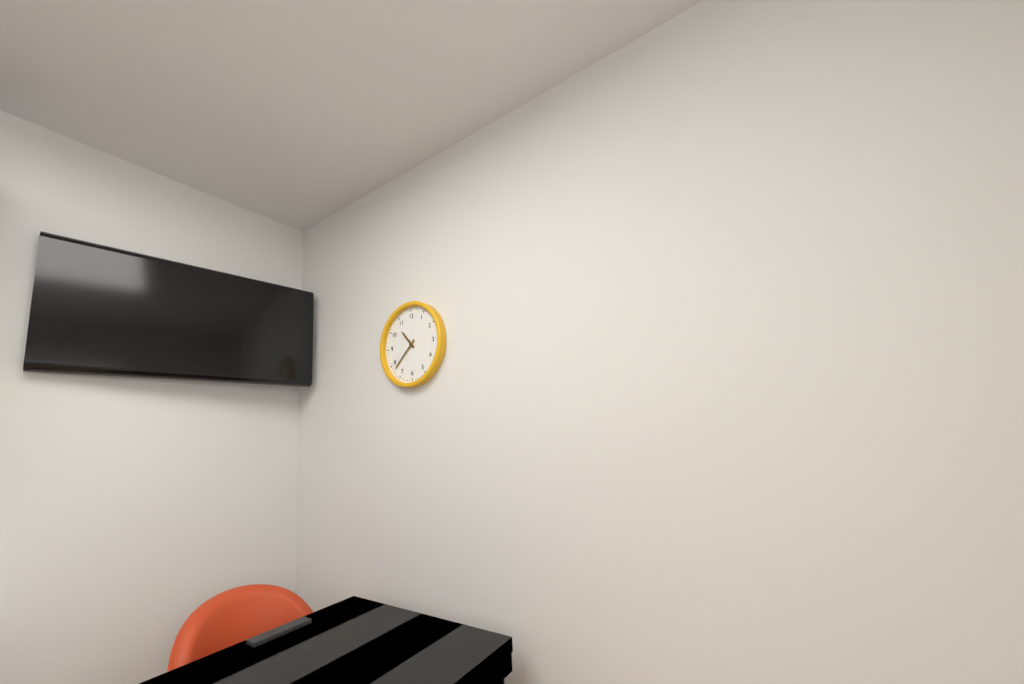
10:38
